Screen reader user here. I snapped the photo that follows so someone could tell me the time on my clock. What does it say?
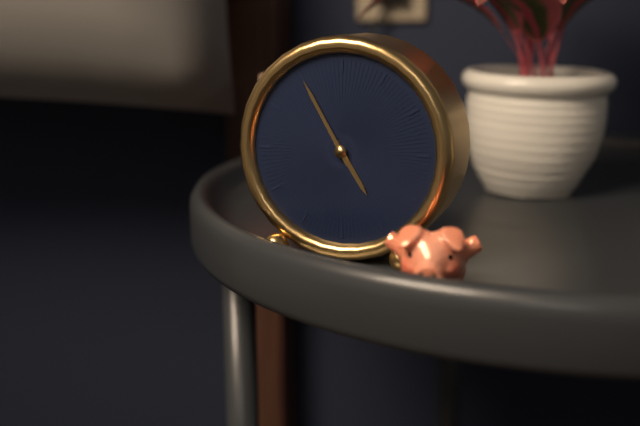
4:55
